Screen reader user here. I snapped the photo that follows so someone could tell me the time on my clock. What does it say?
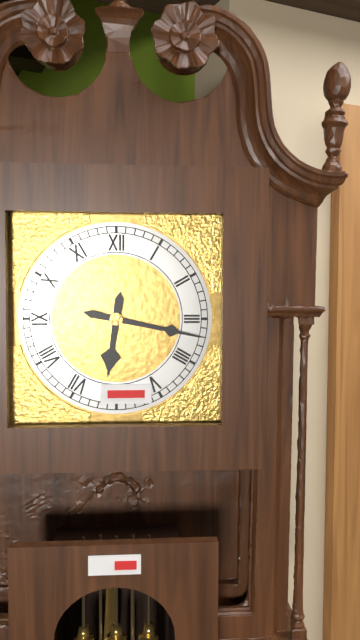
6:17
